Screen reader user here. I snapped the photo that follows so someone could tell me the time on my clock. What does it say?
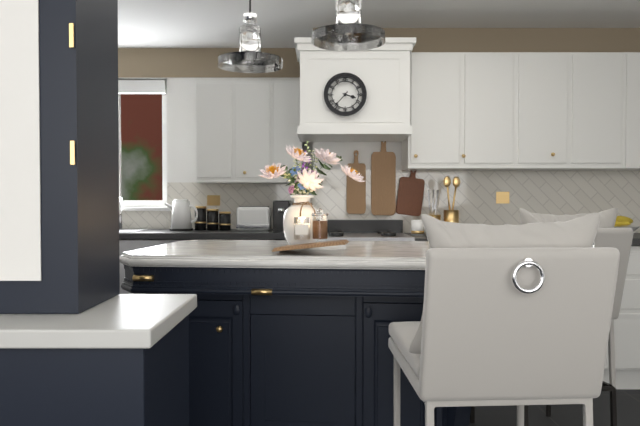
3:37
